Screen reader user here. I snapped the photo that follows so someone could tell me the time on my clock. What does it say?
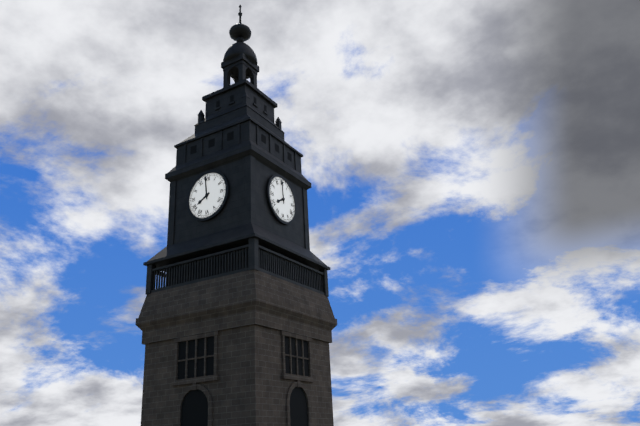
7:59
